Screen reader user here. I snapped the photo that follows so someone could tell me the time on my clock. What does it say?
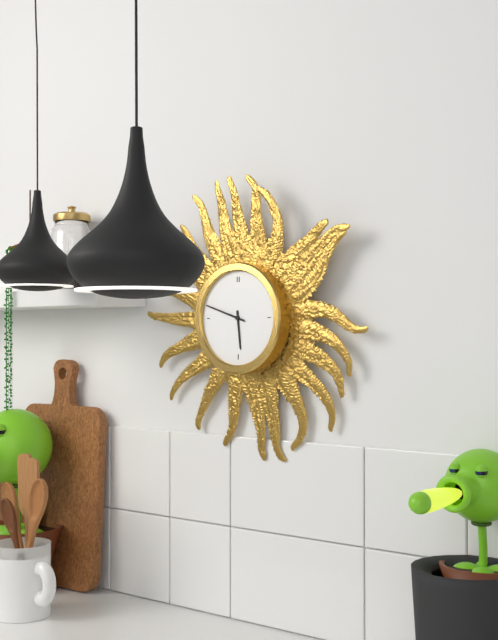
5:48
